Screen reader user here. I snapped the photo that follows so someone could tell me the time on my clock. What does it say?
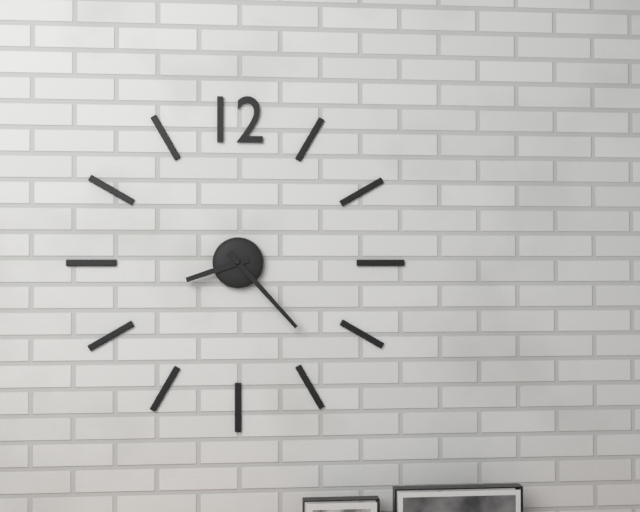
8:23
